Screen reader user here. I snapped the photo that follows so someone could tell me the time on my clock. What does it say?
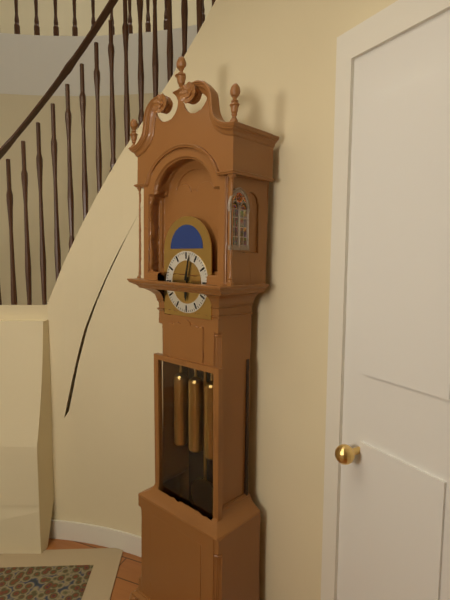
6:02
